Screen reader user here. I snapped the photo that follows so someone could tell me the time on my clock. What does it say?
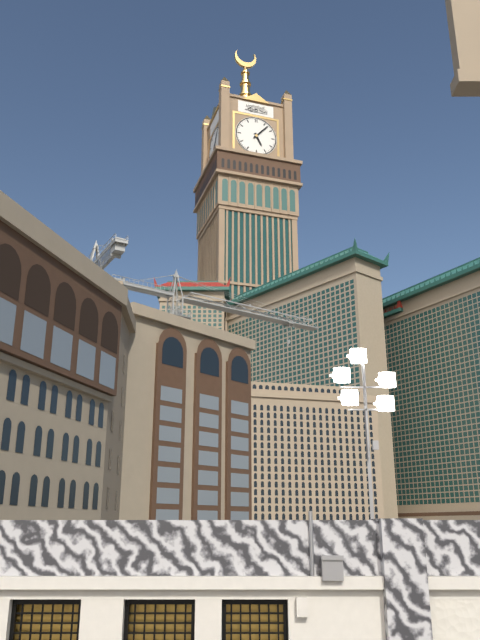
5:07
